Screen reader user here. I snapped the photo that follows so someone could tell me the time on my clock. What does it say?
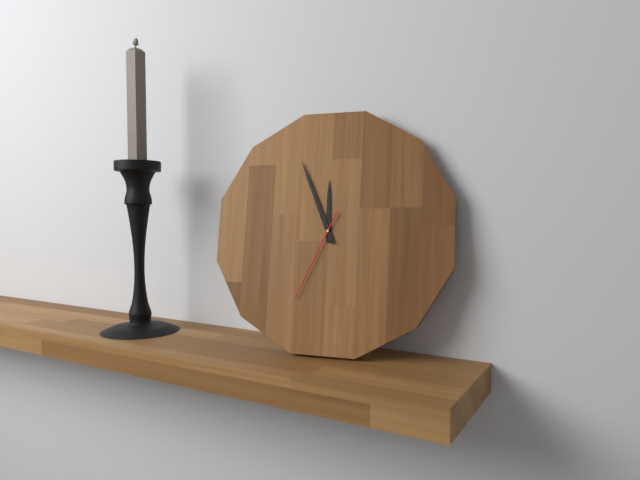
11:56:34
